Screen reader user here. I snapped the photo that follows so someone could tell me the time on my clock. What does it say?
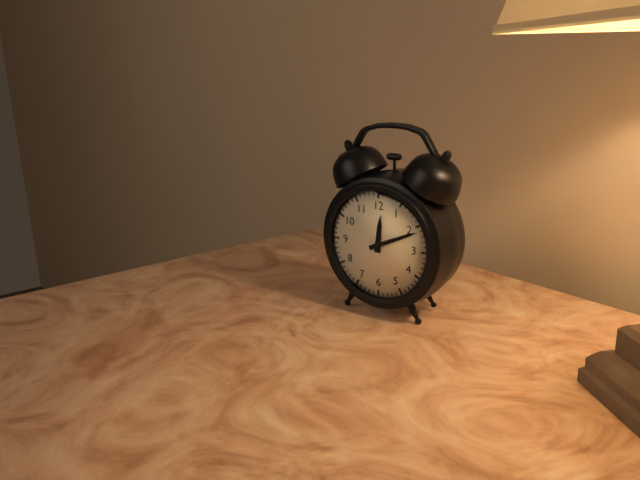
12:11
